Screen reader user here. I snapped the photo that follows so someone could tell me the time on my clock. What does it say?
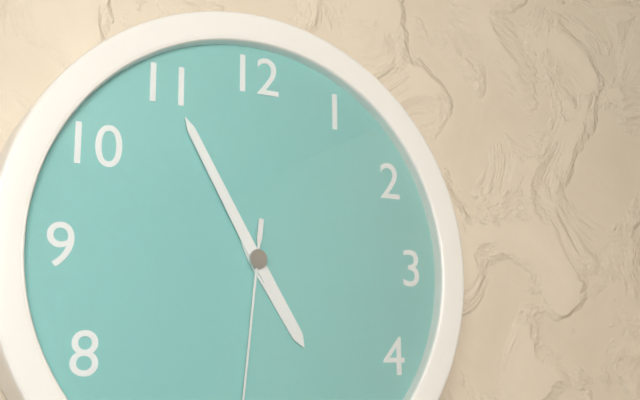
4:55
